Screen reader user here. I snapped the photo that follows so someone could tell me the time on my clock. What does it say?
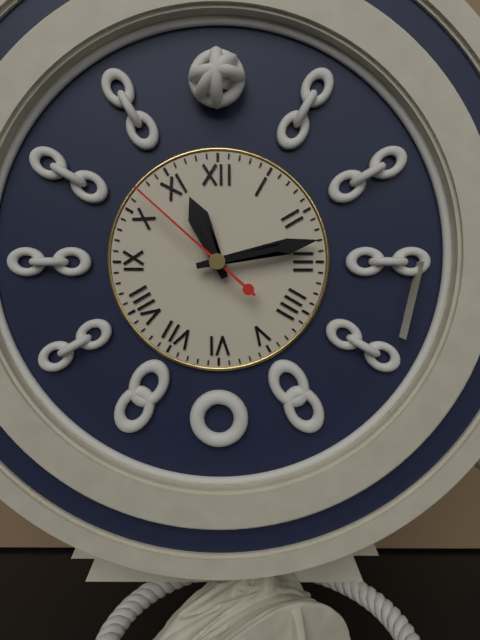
11:13:52
